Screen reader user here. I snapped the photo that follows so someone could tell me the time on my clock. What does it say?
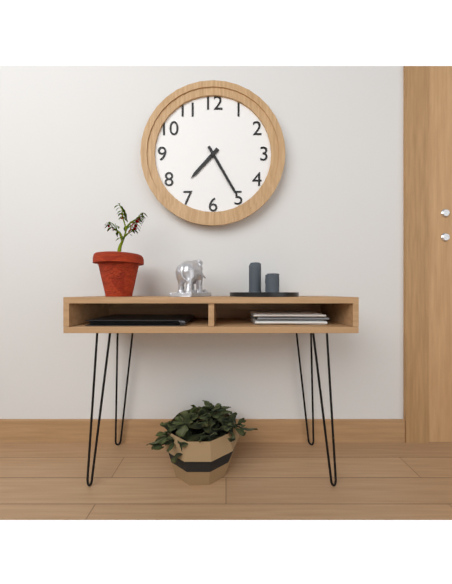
7:25
